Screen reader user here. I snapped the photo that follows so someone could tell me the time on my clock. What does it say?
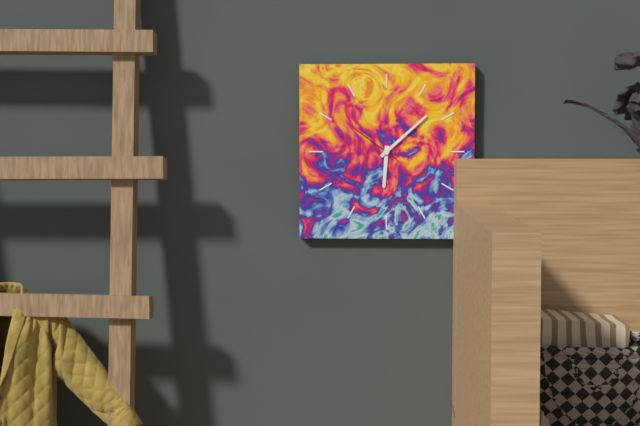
6:08:51
